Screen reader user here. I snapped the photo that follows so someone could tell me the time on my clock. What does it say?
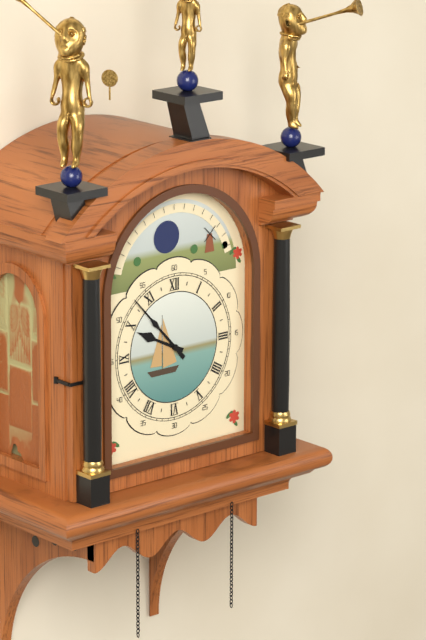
9:53
